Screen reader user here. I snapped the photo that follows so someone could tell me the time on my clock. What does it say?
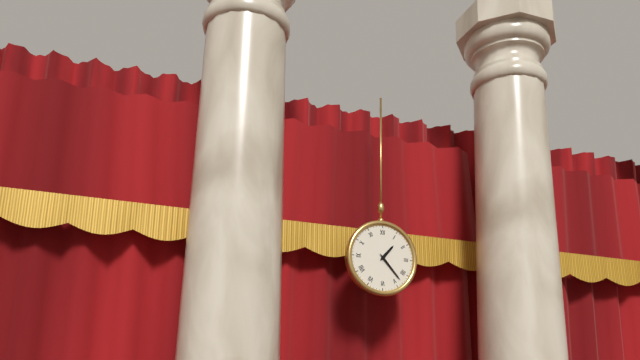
1:23
